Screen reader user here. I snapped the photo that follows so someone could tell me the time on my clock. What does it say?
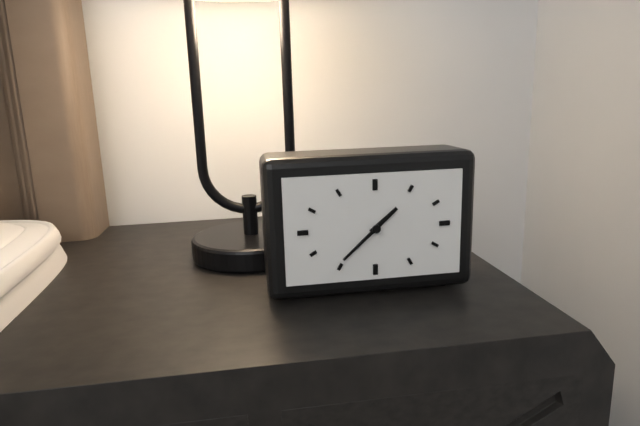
1:38
